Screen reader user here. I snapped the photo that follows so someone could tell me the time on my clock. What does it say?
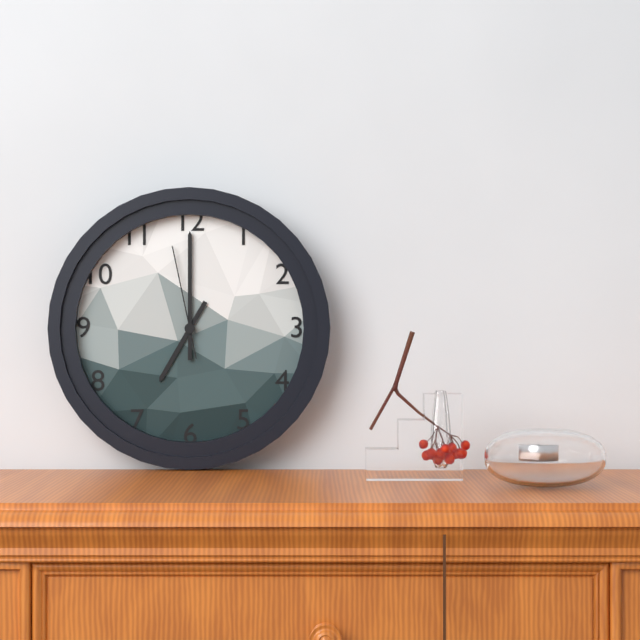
7:00:58
